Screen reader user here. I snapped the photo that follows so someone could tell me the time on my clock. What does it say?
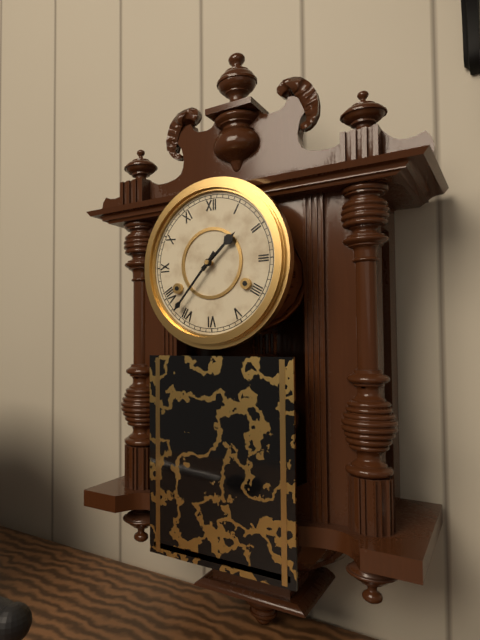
1:37
